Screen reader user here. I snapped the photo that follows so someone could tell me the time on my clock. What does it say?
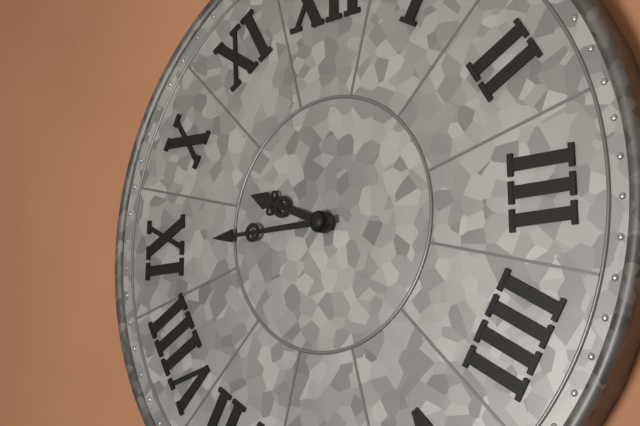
9:45
